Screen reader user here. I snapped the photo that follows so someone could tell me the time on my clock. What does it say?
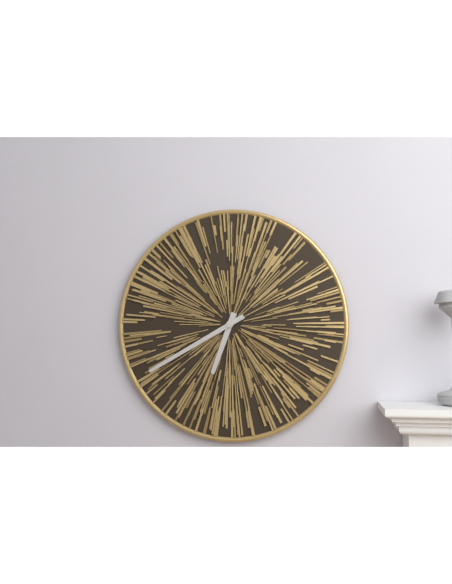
6:40
